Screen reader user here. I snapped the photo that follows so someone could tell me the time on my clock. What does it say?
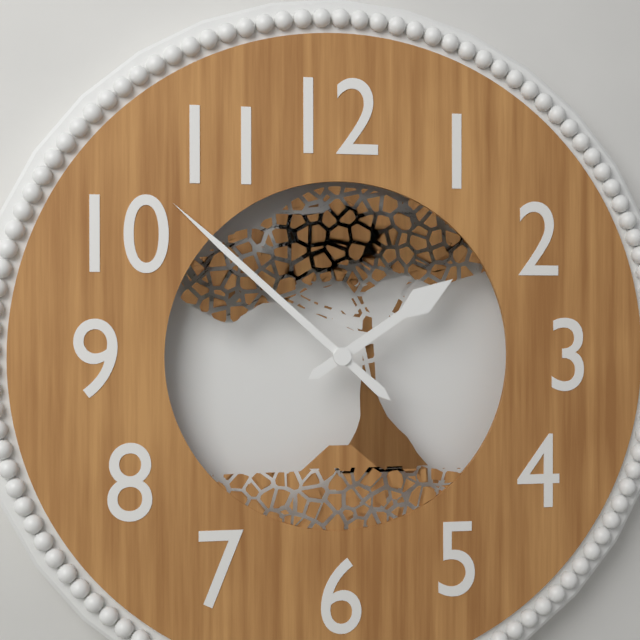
1:52
